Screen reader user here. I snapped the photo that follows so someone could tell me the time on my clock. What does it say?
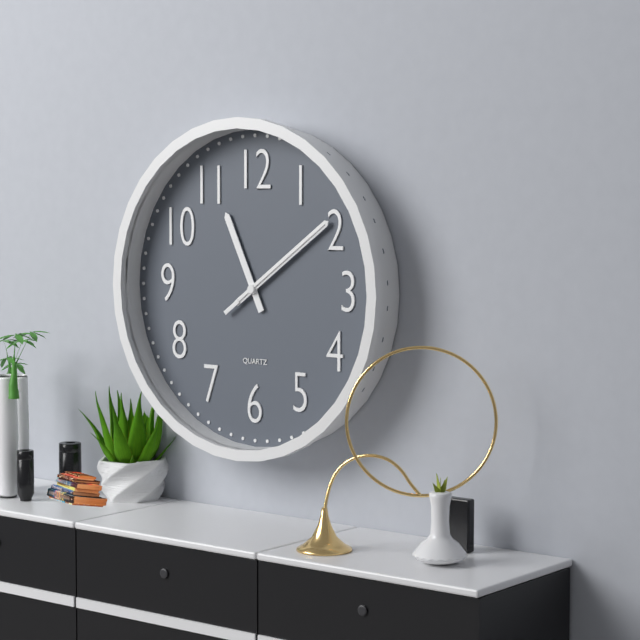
11:09:09
